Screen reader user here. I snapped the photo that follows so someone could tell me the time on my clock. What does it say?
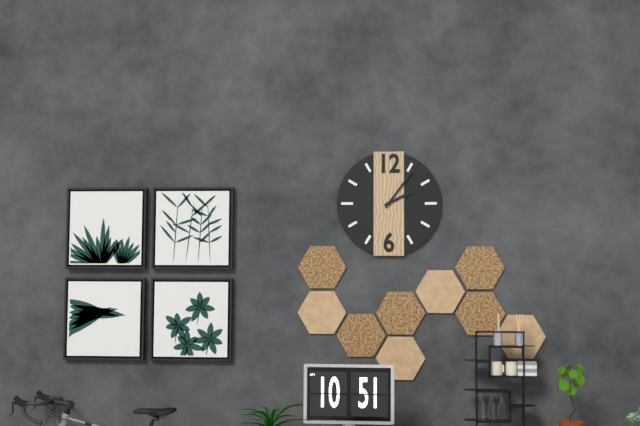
2:06
